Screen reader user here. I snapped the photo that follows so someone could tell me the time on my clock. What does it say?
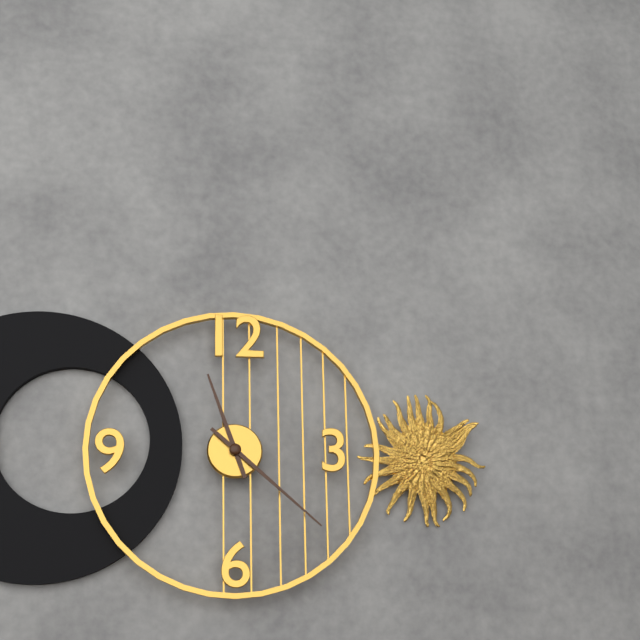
11:22
